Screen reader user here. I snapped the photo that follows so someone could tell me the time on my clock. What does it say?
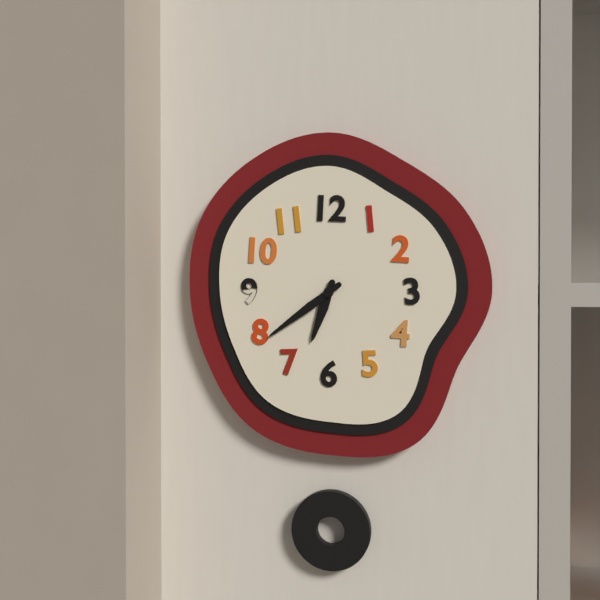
6:39
